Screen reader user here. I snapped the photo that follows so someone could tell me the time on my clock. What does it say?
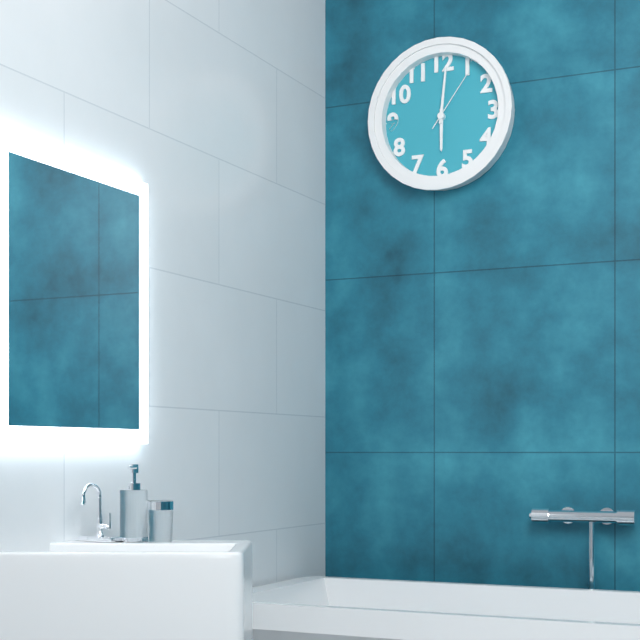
6:01:06
